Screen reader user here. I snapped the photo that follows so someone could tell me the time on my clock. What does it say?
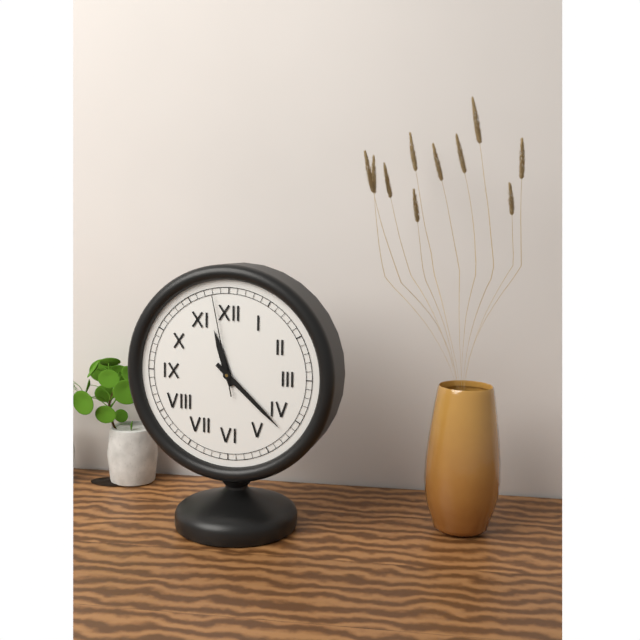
11:22:58
